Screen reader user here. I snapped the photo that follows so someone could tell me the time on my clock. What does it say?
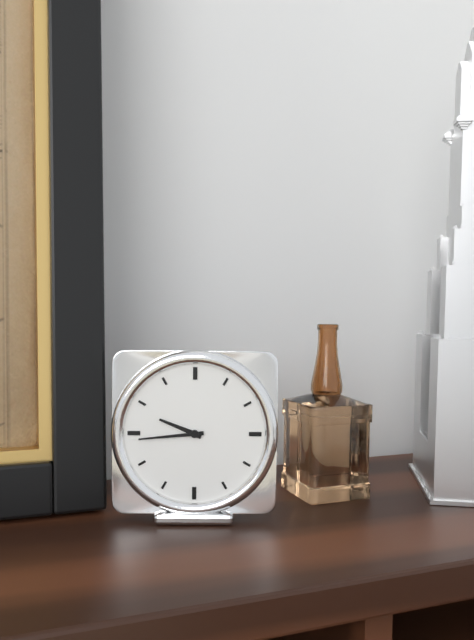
9:44
